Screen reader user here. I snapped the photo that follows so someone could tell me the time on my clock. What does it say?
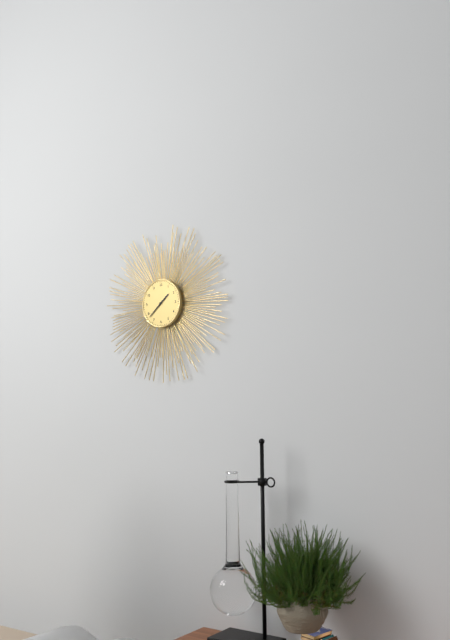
1:38
